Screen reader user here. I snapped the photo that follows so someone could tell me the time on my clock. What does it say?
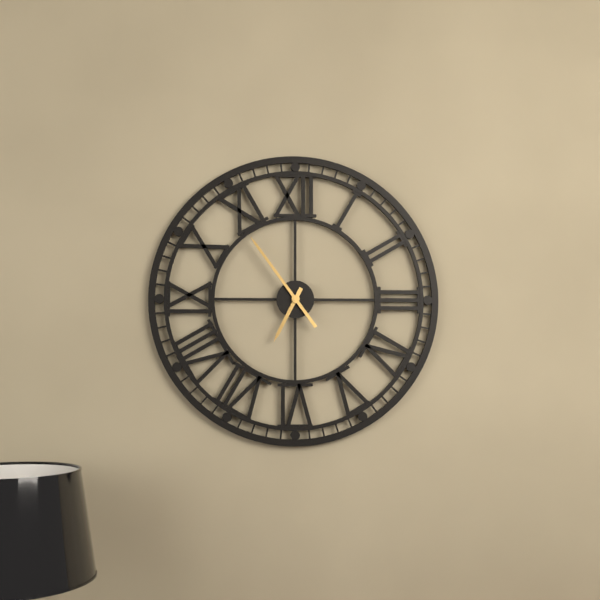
6:54
